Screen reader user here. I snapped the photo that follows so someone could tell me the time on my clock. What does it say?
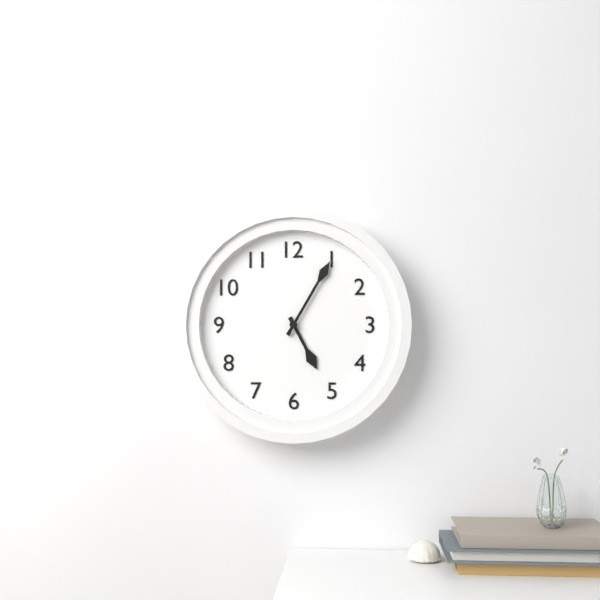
5:05
